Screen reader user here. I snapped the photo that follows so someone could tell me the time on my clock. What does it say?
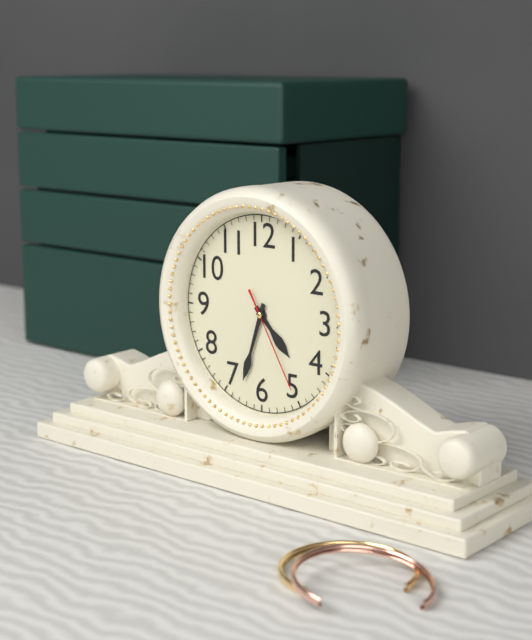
4:33:25
